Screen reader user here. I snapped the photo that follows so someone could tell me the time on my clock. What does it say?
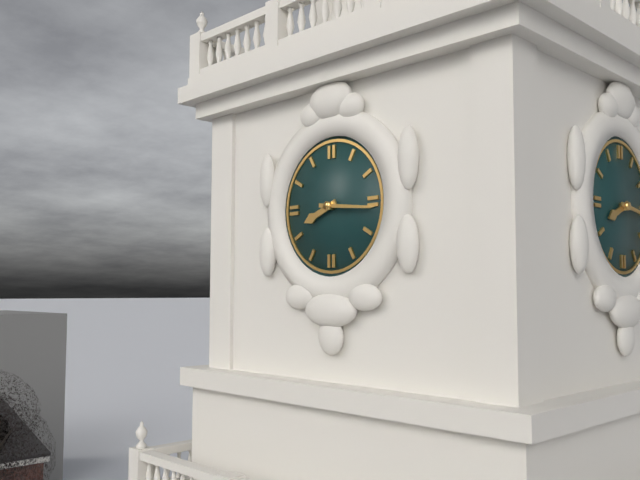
8:16
